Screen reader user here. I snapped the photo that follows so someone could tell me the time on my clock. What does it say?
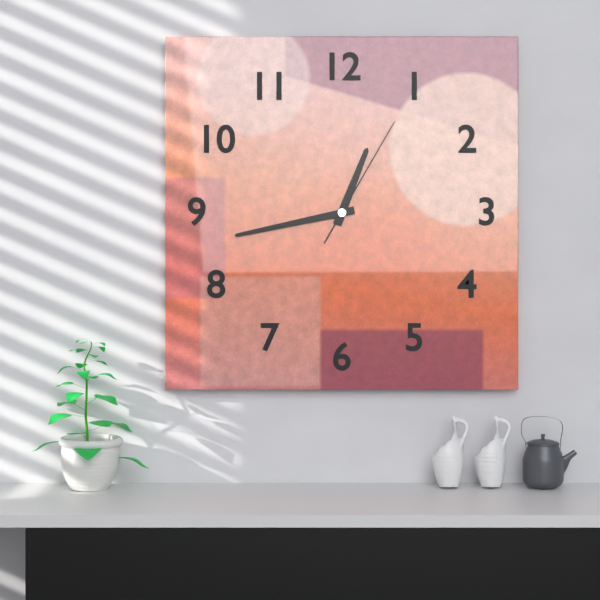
12:43:05
